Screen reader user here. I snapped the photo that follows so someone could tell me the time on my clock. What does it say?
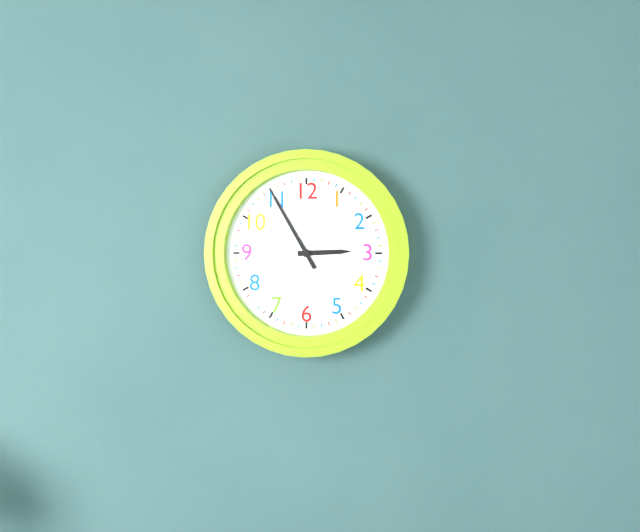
2:55
